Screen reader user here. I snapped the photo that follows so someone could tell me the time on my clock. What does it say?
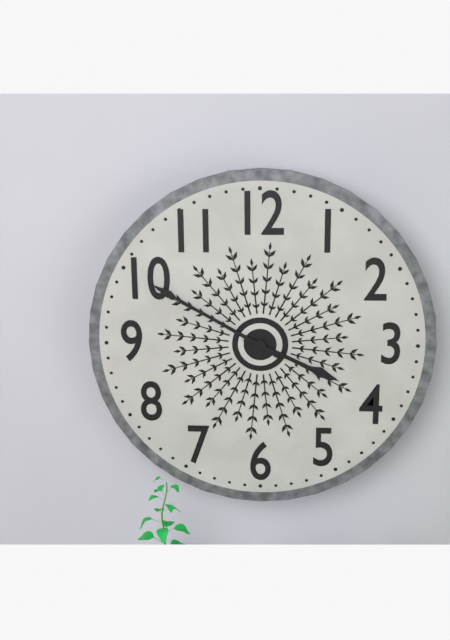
3:50
